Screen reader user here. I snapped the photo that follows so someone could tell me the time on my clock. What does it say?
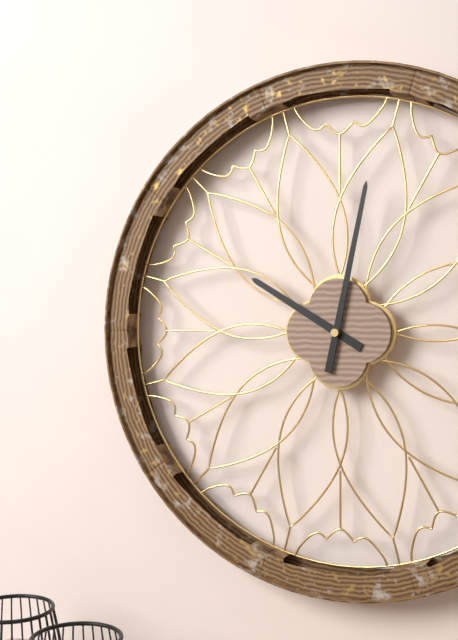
10:02
